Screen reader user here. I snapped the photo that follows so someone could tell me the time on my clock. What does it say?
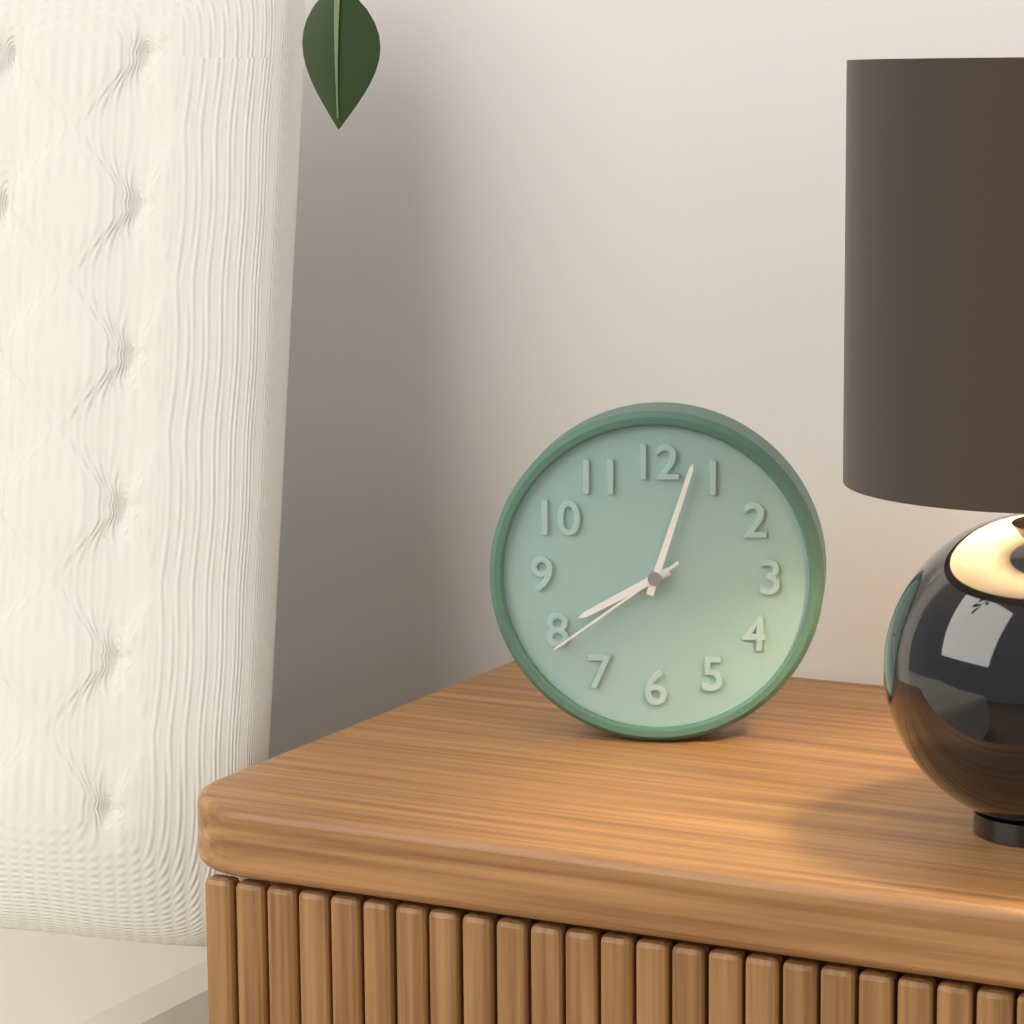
8:03:39
